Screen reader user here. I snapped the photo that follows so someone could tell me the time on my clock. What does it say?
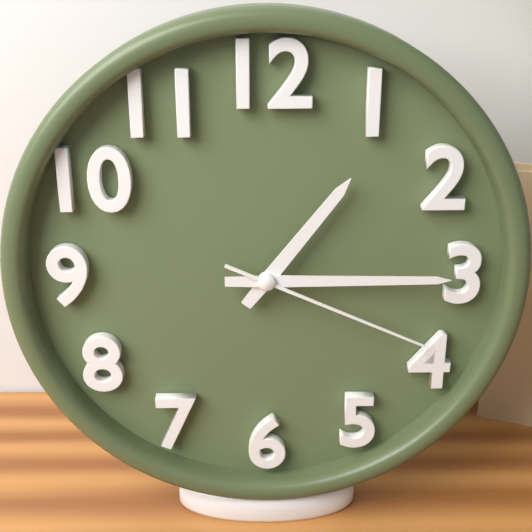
1:15:19
